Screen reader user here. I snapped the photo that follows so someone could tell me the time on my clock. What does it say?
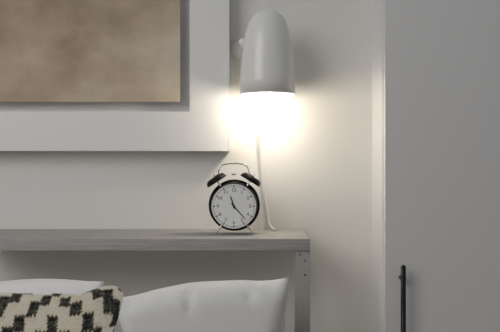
11:23
